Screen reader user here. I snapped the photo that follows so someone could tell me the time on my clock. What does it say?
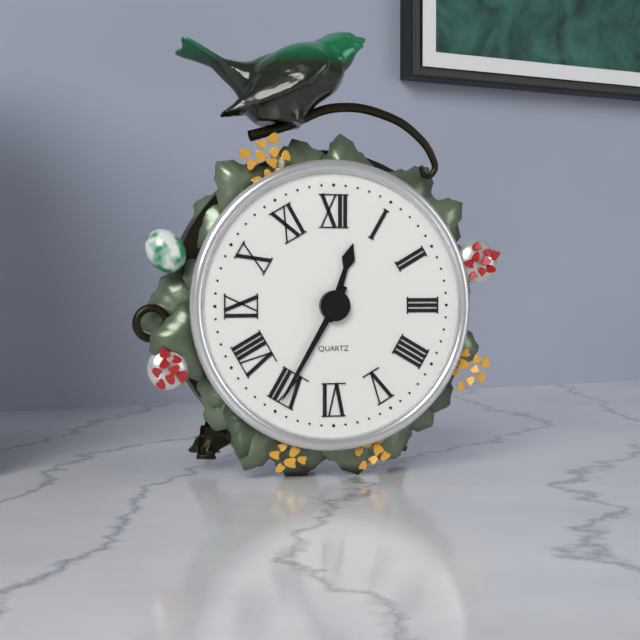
12:35
